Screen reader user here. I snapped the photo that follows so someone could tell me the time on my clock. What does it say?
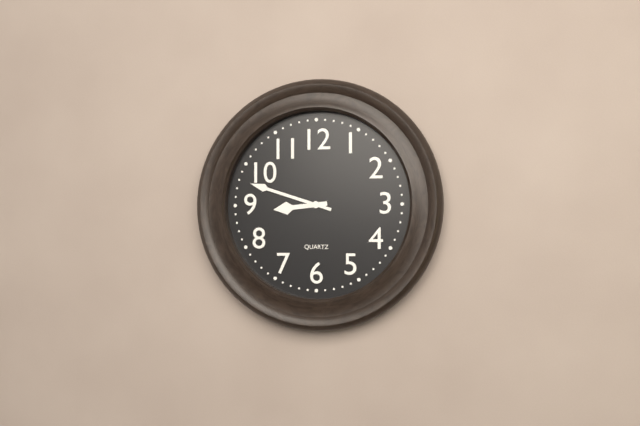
8:48
